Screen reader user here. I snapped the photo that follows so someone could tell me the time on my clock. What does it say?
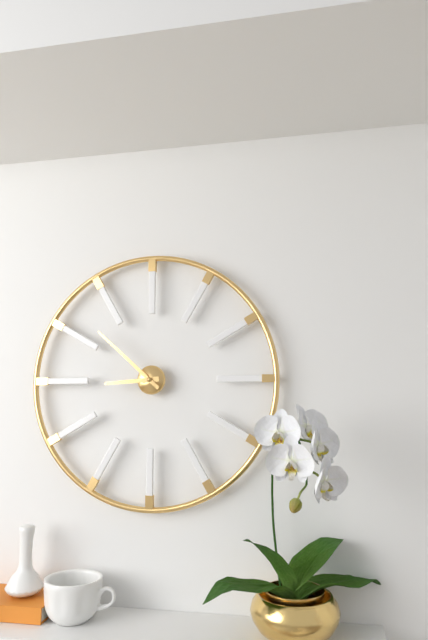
8:52
